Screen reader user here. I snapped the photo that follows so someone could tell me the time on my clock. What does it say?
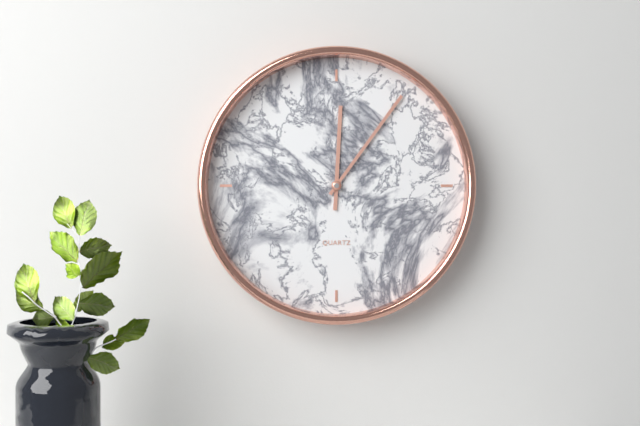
12:06
